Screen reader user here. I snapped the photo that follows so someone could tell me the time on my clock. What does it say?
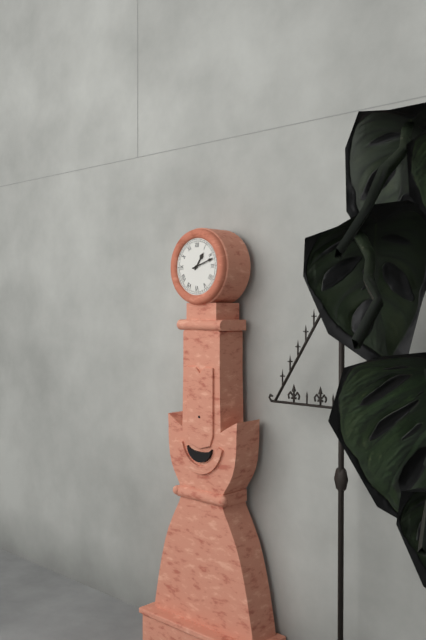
1:12
